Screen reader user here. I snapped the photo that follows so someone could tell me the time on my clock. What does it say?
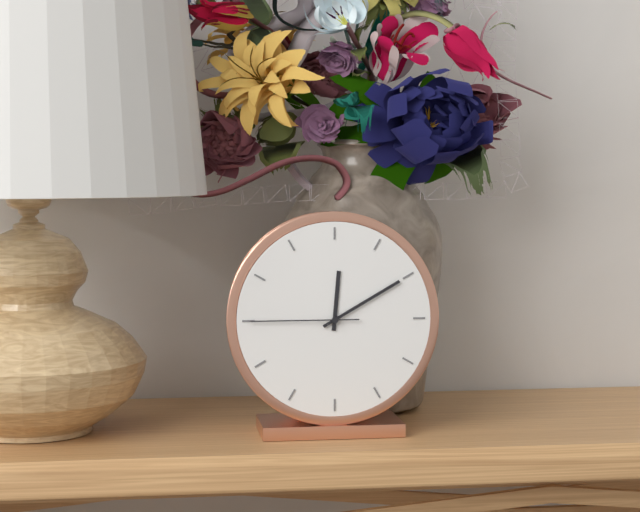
12:10:45
